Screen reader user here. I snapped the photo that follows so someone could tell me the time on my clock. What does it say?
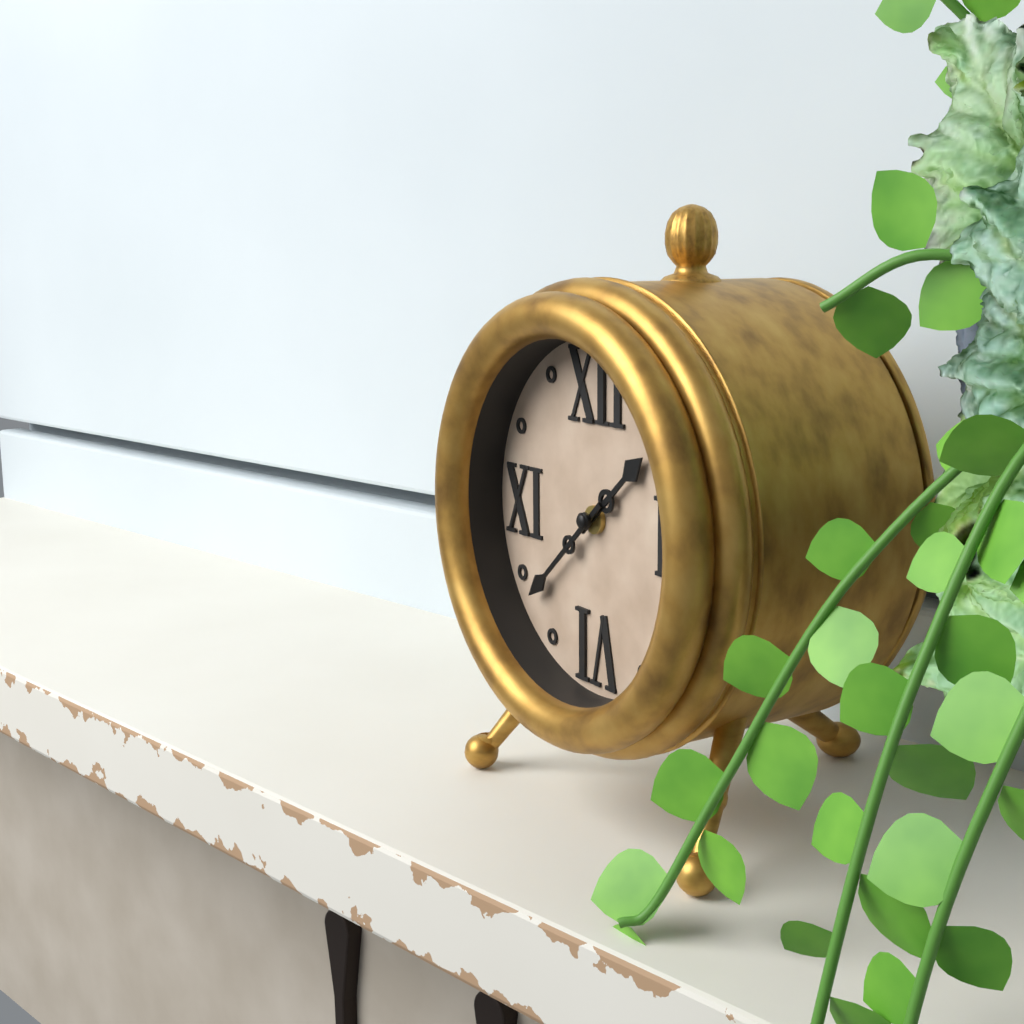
1:38
